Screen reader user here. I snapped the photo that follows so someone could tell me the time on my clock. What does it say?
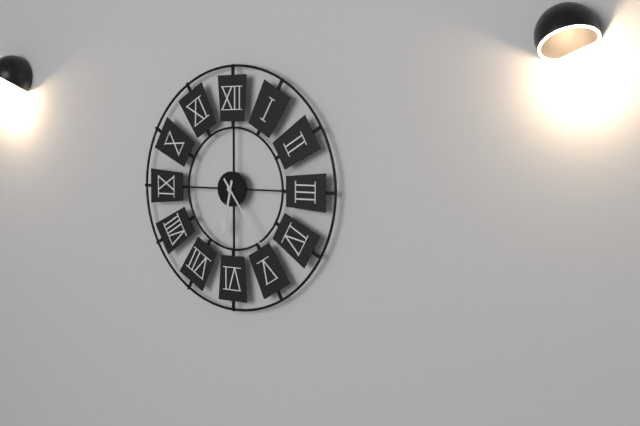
6:24
